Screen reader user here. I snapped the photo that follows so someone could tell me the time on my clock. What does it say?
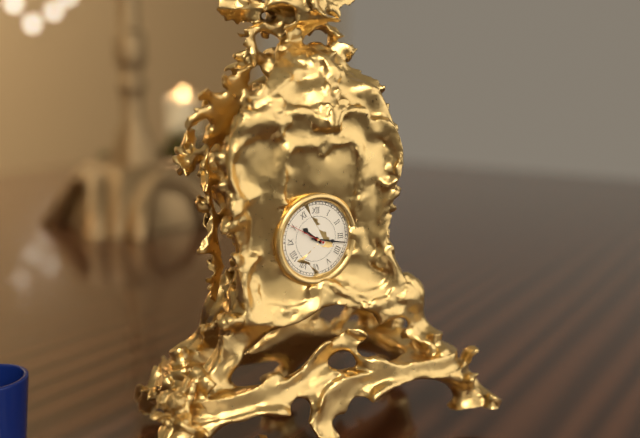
10:17
